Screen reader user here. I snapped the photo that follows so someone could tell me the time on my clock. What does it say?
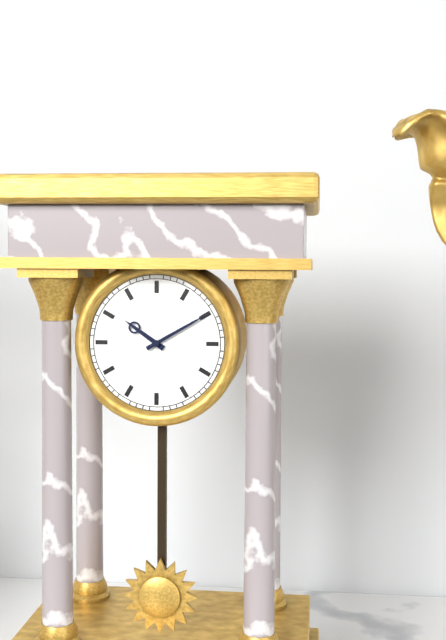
10:10
